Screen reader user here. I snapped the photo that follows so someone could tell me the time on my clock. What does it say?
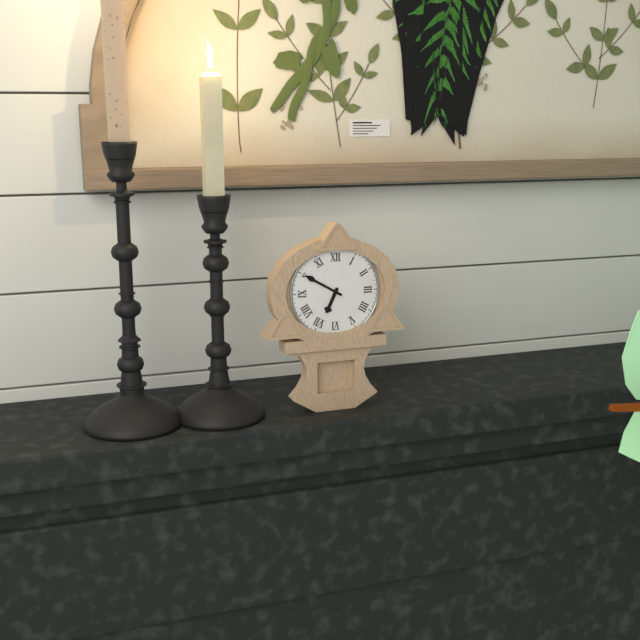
6:50
